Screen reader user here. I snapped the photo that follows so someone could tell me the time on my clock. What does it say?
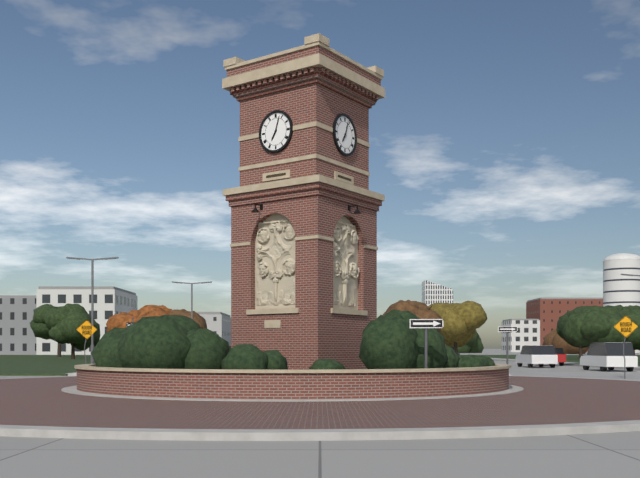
7:03
